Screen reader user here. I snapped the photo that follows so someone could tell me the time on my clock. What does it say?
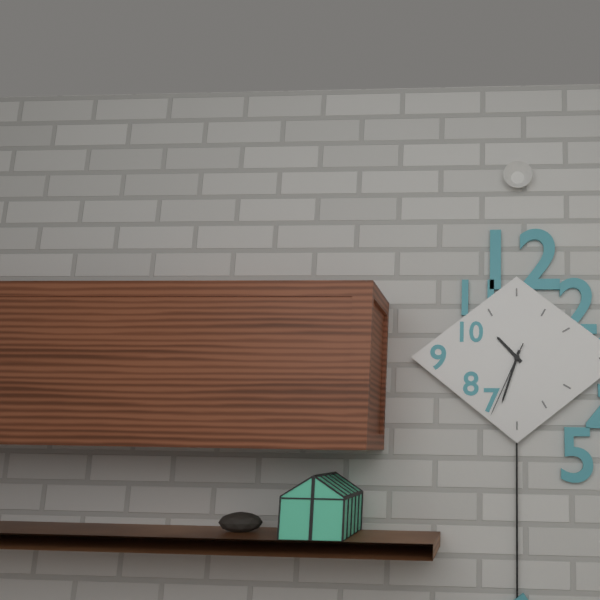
10:33:34
